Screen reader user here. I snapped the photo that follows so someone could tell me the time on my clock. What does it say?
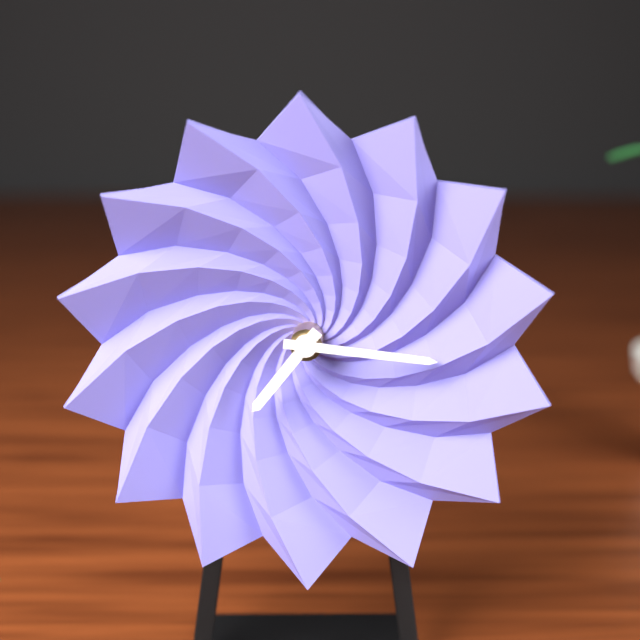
7:16
